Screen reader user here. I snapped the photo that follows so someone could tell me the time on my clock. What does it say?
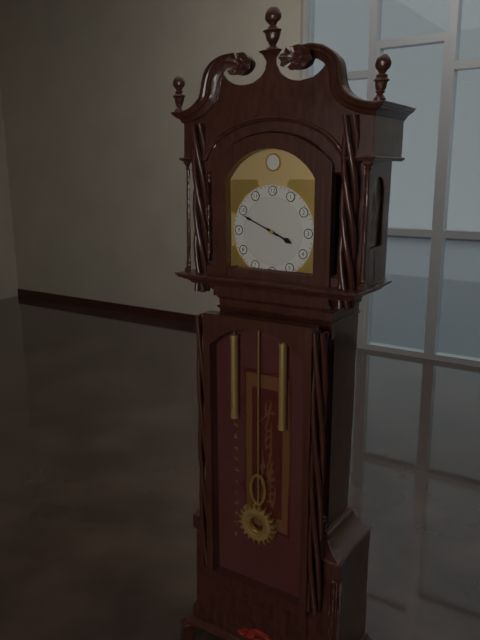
3:49
